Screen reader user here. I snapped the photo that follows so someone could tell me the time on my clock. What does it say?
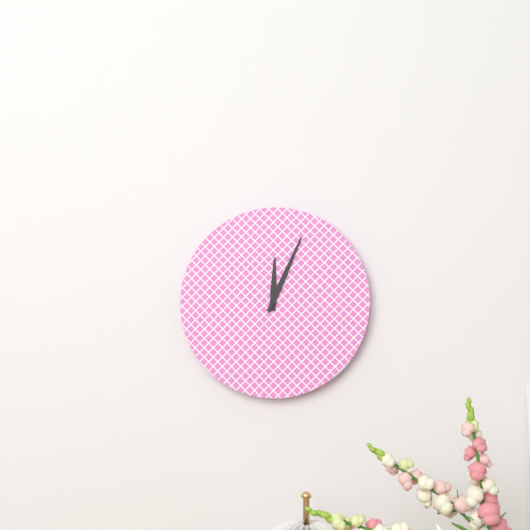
12:04
